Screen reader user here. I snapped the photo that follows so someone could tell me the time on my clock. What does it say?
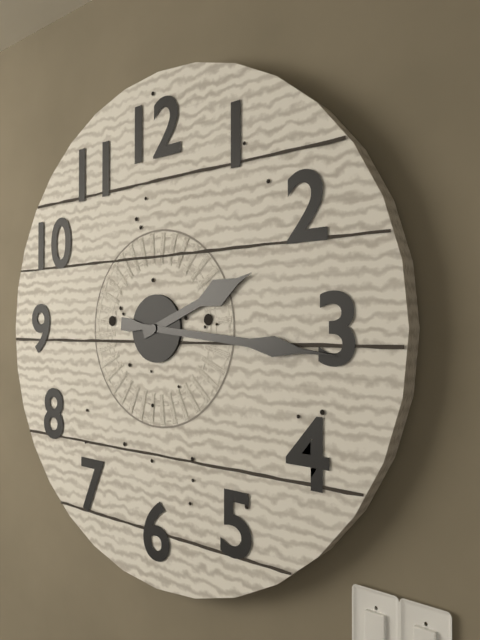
2:16
